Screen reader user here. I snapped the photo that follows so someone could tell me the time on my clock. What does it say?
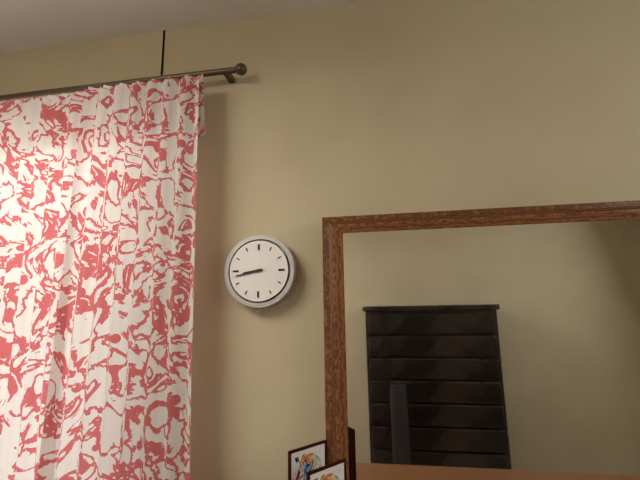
8:43
